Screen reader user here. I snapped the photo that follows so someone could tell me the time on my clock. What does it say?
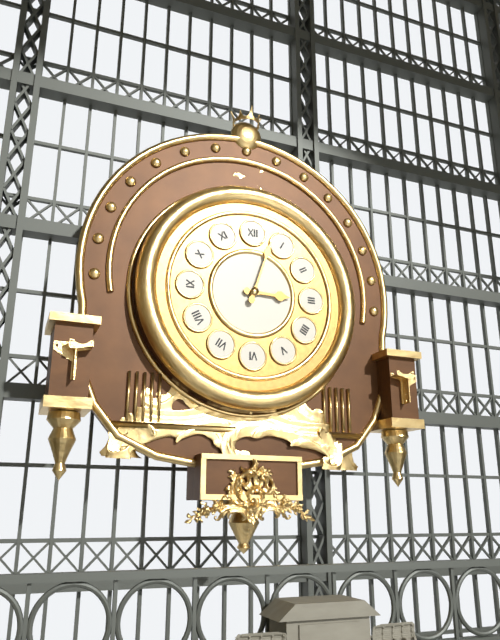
3:03
